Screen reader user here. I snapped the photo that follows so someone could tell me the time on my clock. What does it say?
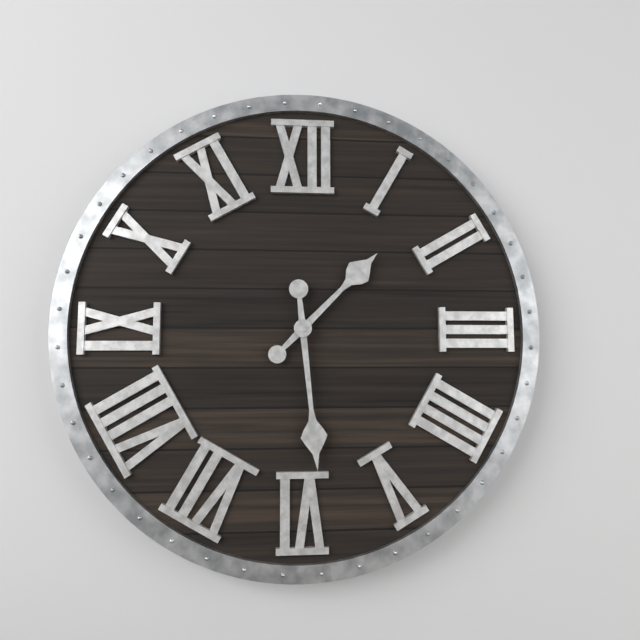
1:29
